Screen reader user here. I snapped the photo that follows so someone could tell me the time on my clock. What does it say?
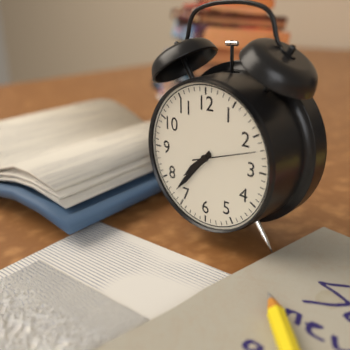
7:37:12
